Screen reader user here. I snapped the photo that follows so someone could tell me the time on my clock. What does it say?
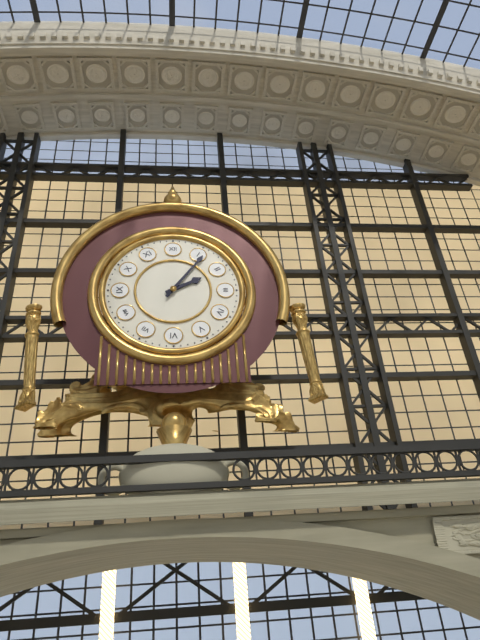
2:06
